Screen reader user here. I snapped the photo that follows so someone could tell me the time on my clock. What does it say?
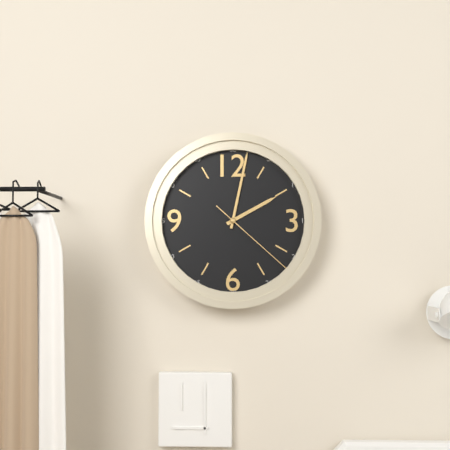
2:02:22
